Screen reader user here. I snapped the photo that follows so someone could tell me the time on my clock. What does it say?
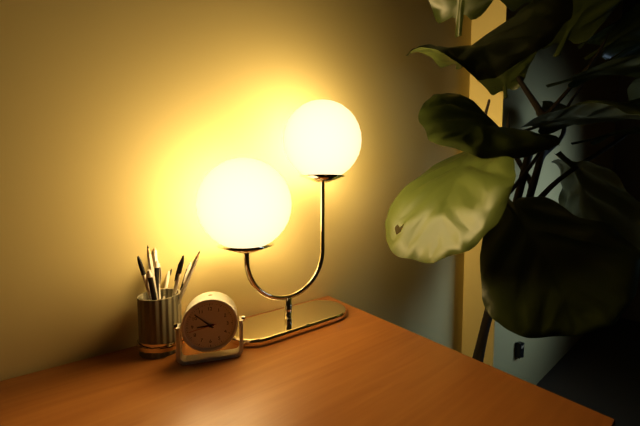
8:52
